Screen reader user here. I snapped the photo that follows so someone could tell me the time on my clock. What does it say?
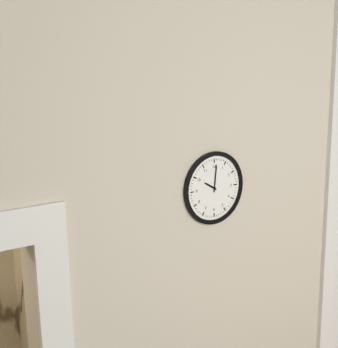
10:01
